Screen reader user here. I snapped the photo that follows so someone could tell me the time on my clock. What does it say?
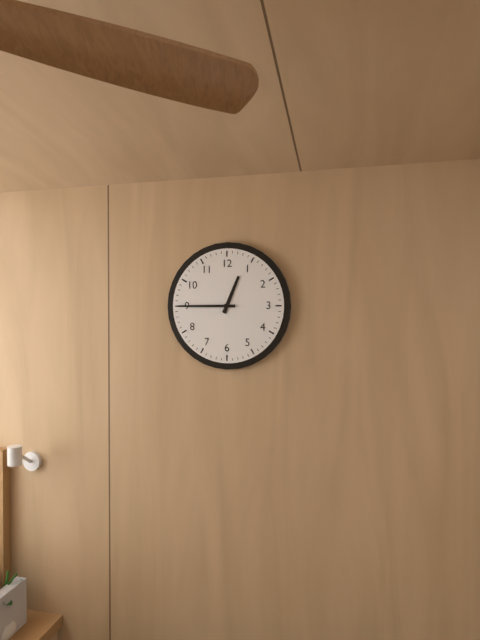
12:45
